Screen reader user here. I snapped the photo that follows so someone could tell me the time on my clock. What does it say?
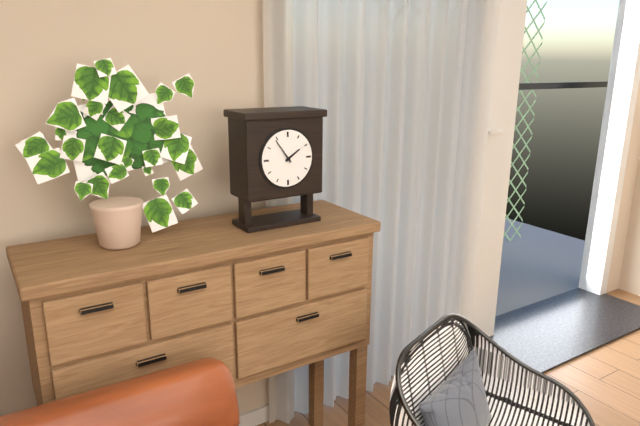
1:54
